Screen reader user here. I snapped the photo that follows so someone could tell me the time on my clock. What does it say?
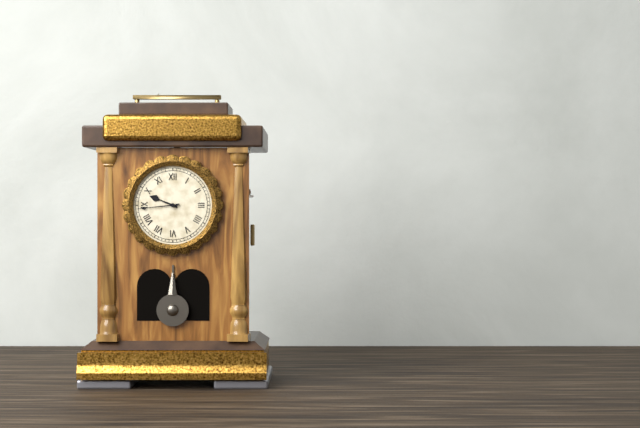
9:44
